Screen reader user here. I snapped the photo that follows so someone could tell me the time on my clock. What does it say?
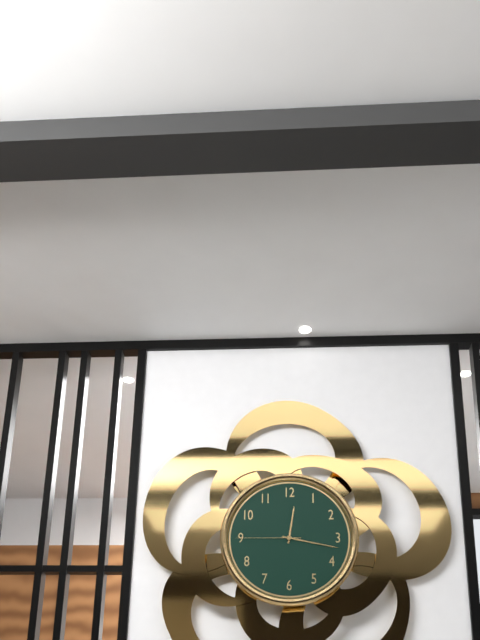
12:17:45
